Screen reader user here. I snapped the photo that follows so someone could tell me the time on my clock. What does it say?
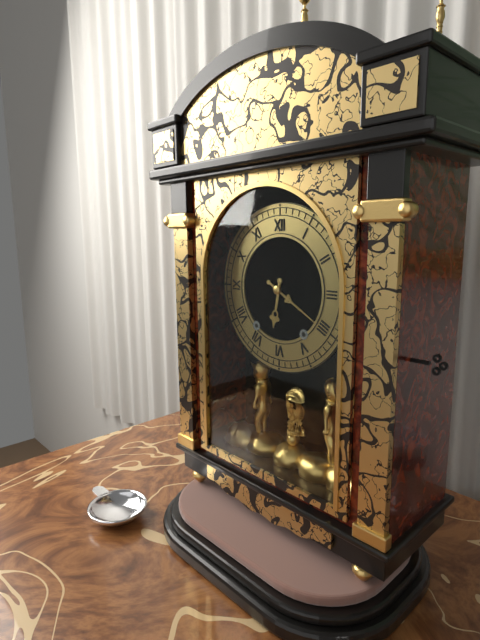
6:20
